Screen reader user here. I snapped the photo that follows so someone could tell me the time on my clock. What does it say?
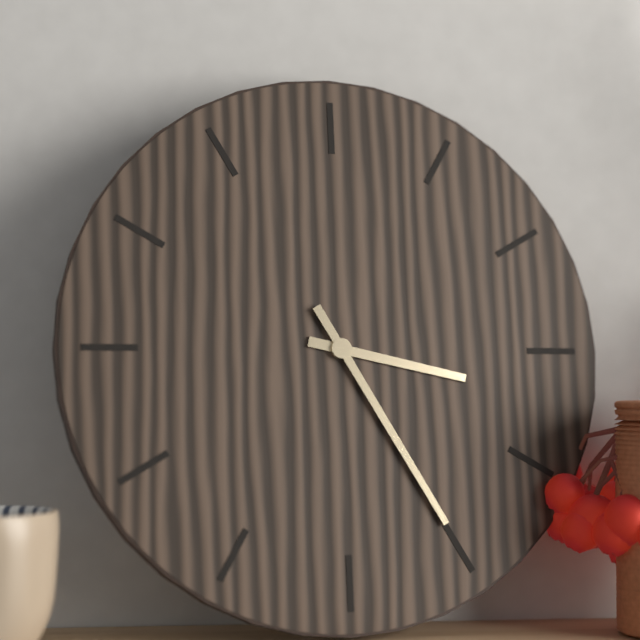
3:25
